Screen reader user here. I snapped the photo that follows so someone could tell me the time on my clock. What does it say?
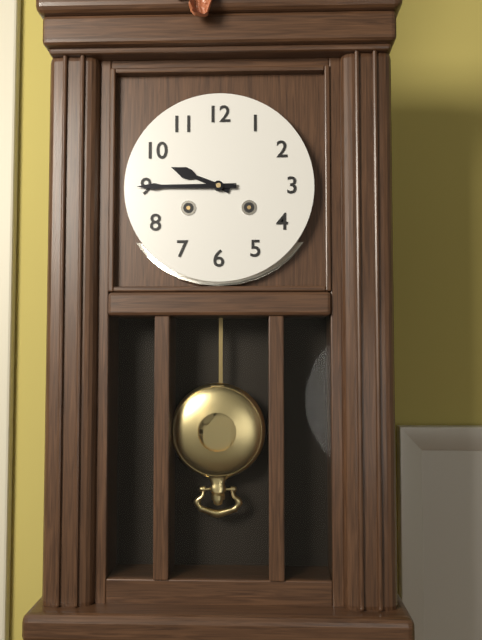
9:45
